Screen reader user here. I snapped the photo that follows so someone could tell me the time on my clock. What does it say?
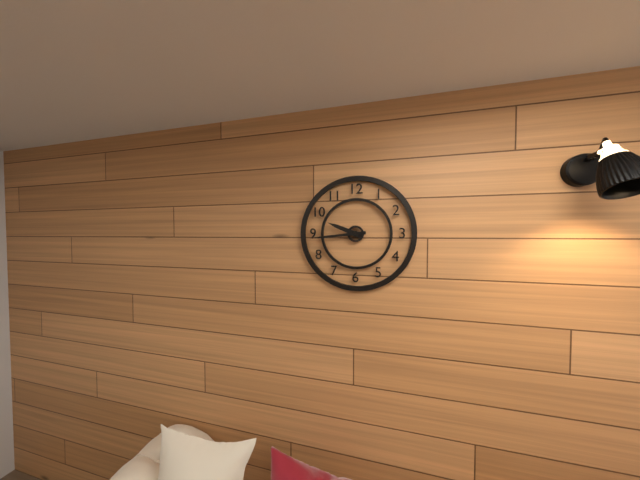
9:44
